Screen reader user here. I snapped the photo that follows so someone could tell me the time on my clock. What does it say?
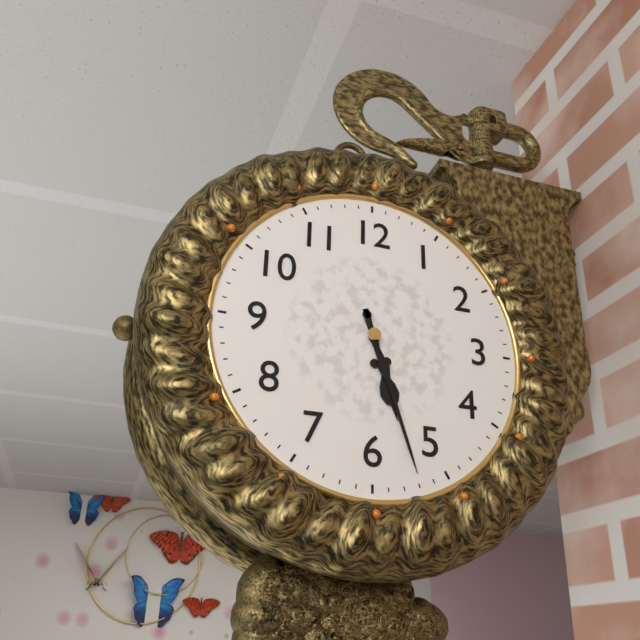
5:27
